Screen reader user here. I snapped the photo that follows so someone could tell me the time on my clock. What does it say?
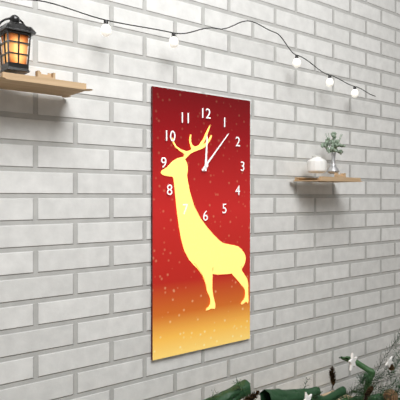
12:07
